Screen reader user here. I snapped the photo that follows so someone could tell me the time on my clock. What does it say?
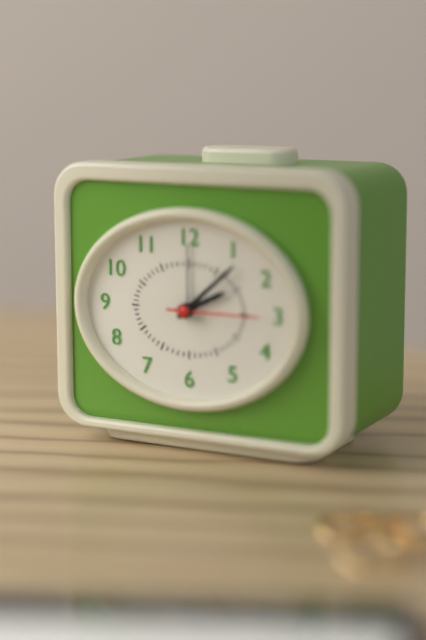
2:08
